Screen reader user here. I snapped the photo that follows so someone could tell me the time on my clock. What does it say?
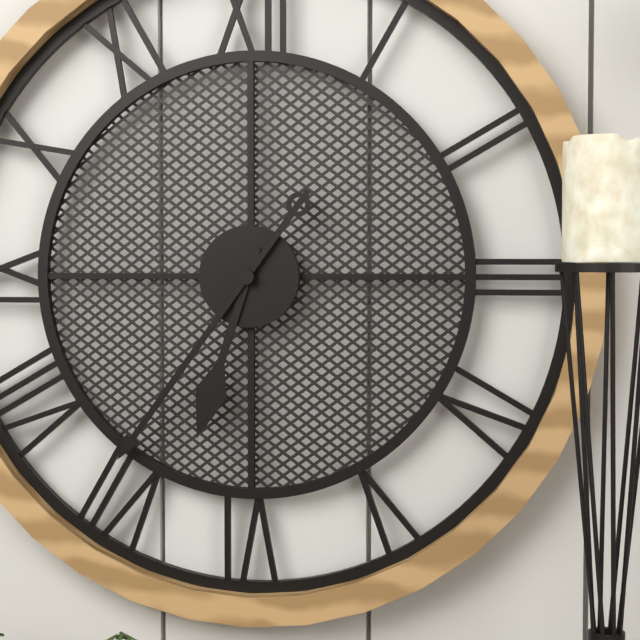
6:36
